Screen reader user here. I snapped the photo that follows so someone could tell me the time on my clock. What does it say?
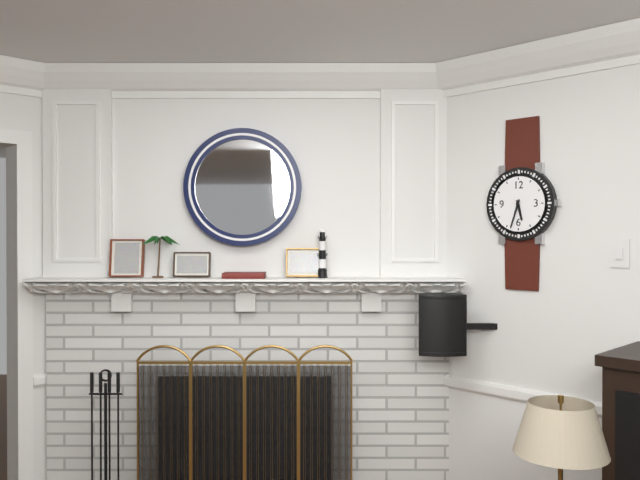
5:33
